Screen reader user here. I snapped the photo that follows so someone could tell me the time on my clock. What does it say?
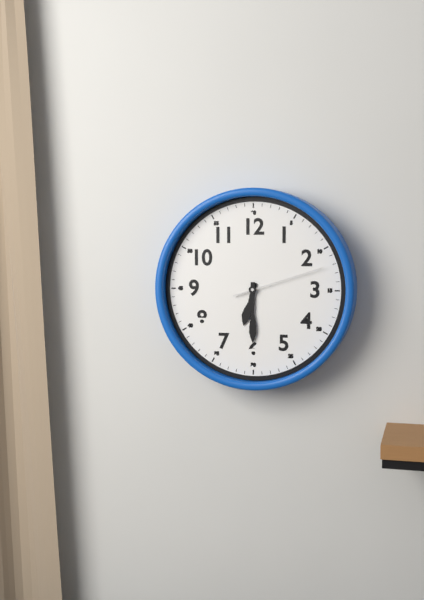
6:30:12
